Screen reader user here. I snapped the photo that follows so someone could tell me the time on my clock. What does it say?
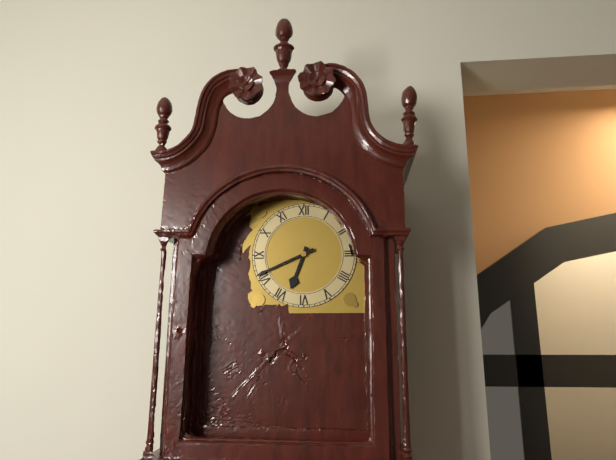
6:41
